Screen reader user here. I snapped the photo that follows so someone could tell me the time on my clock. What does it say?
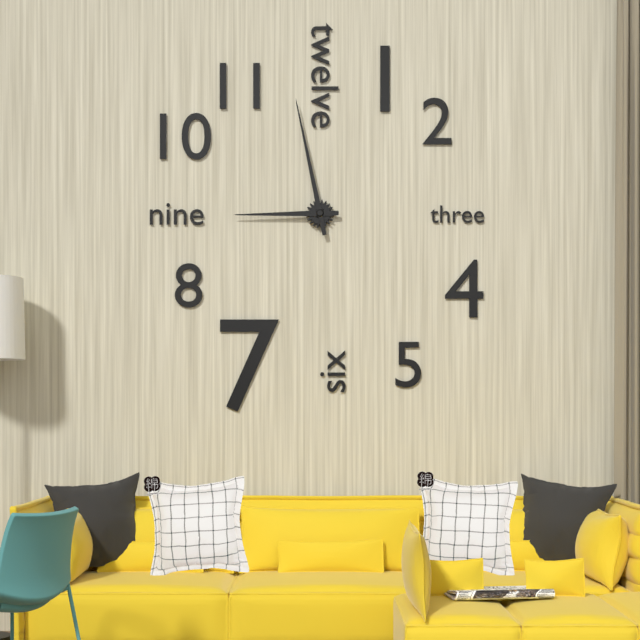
8:58
